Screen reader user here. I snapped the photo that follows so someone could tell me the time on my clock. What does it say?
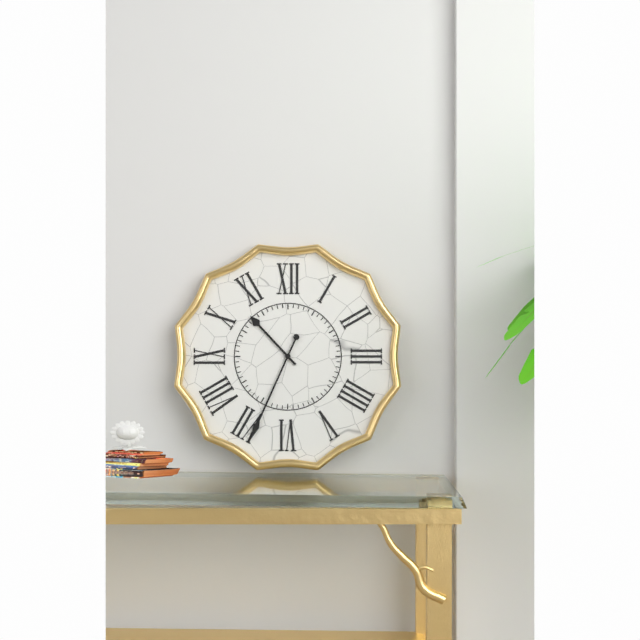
10:34
